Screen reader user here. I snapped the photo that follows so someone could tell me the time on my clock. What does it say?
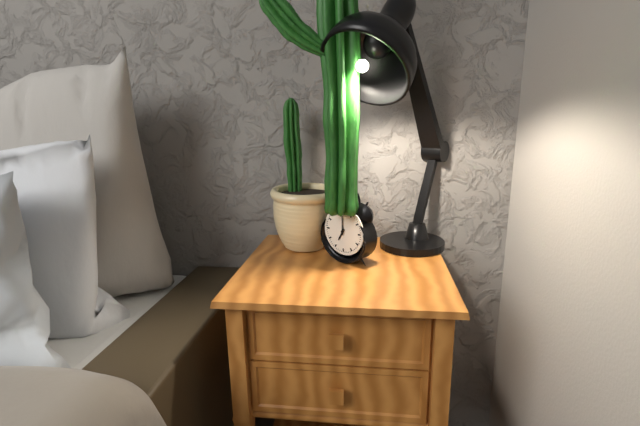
7:00
